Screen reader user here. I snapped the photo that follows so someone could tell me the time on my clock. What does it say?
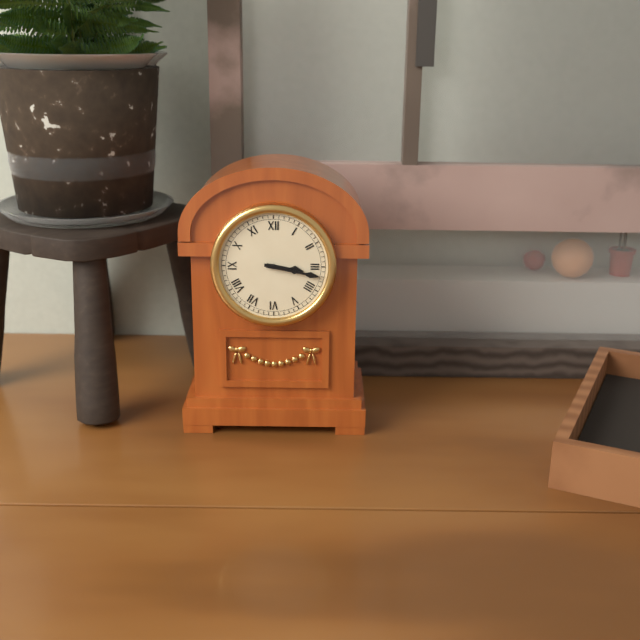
3:17
